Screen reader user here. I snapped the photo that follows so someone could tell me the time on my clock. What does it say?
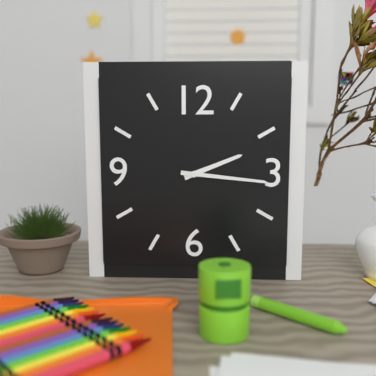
2:16
